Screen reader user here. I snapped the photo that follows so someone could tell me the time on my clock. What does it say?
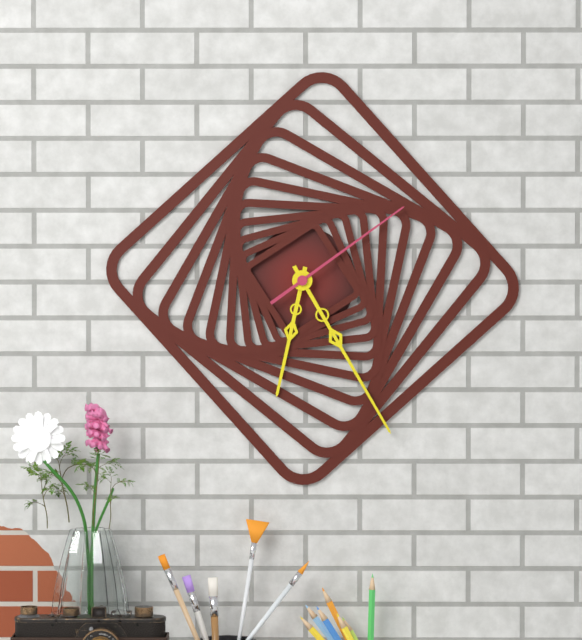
6:25:09
